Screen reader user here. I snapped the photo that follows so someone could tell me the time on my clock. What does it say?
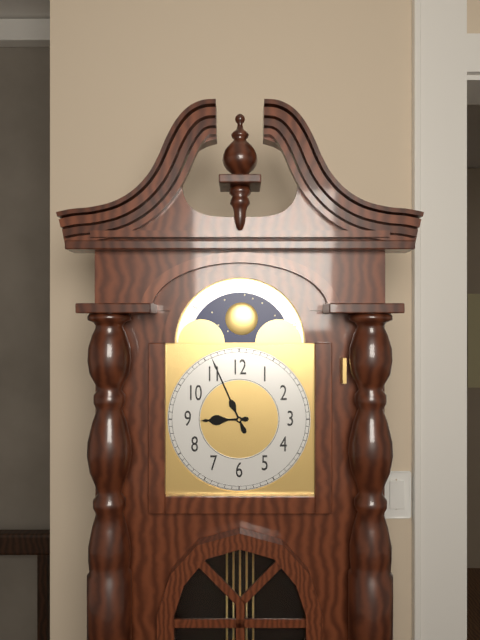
8:56
